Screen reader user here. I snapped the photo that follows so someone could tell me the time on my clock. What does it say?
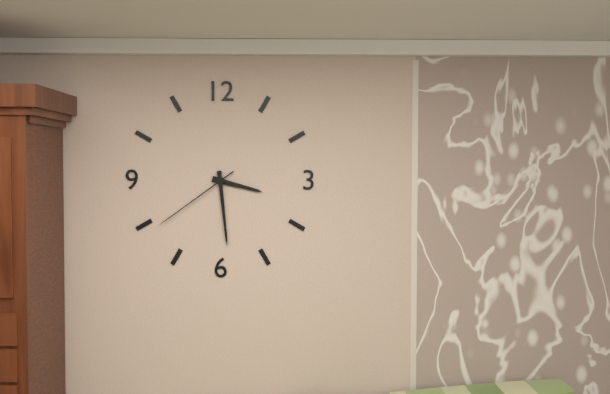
3:29:39
